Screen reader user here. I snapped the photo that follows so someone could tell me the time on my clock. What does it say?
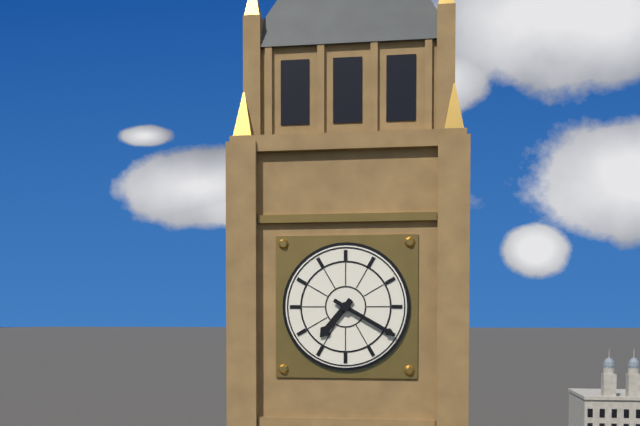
7:20
